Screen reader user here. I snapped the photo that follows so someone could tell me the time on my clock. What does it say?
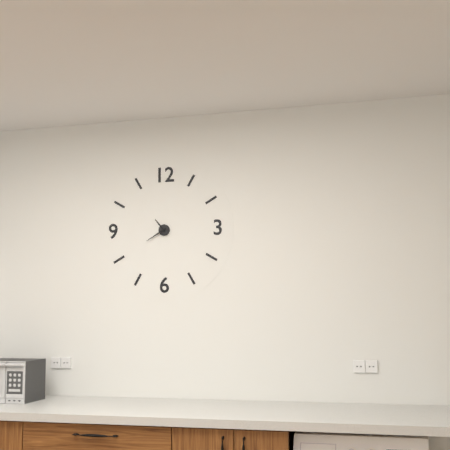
10:40
